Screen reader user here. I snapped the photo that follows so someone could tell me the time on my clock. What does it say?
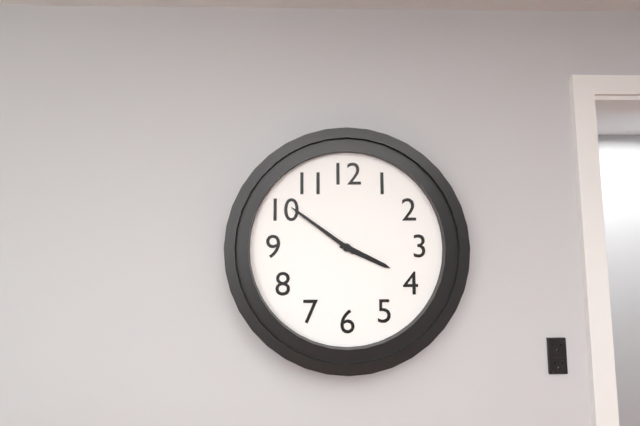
3:51
